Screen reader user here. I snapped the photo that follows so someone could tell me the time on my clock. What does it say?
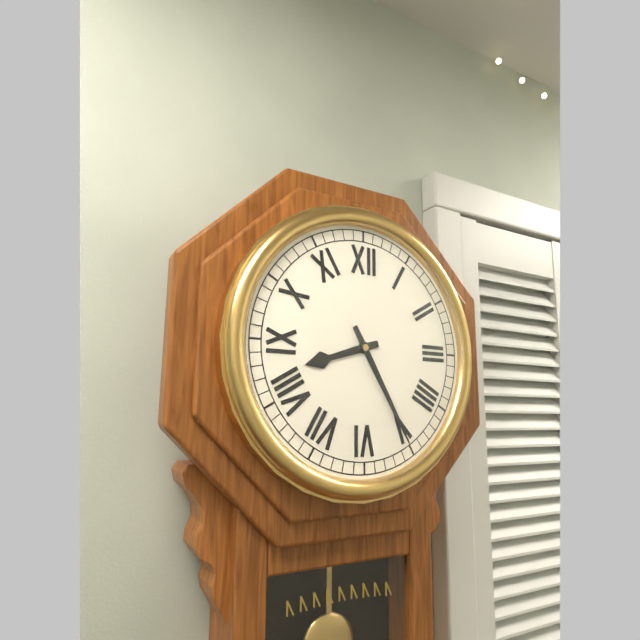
8:25
